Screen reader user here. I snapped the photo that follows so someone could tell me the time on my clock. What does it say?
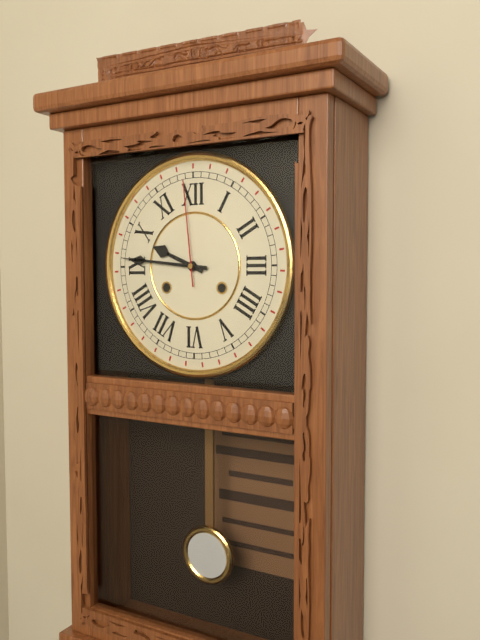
9:46:59
